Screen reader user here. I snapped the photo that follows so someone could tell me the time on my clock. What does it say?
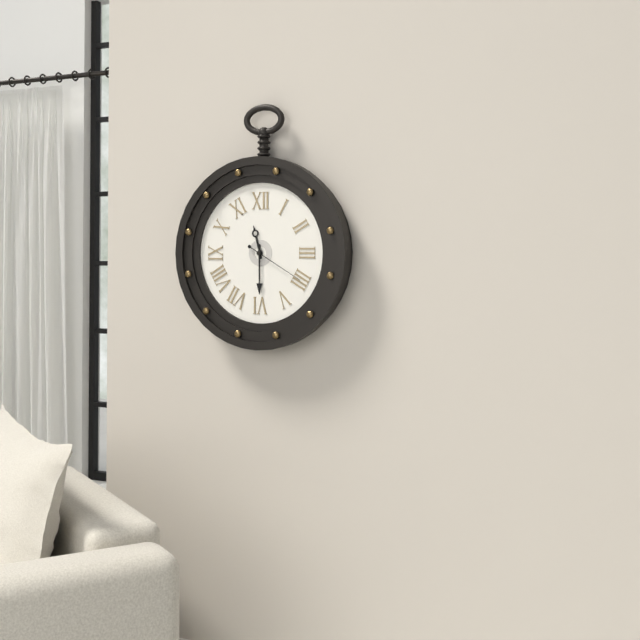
11:30:20
